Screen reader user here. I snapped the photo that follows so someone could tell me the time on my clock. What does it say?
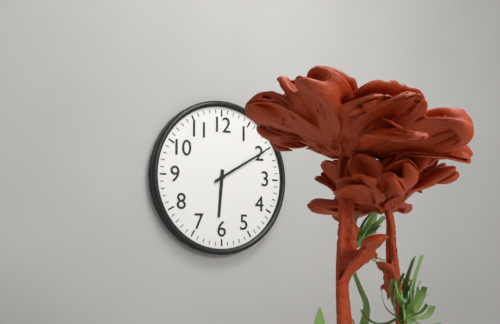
6:10
